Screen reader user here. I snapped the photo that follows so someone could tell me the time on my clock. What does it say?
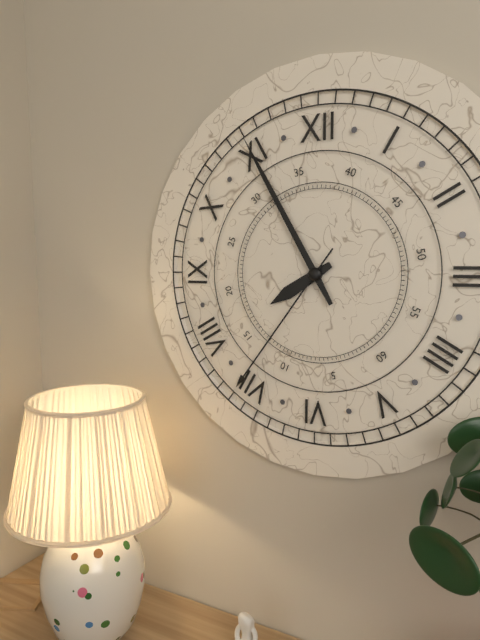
7:55:36
